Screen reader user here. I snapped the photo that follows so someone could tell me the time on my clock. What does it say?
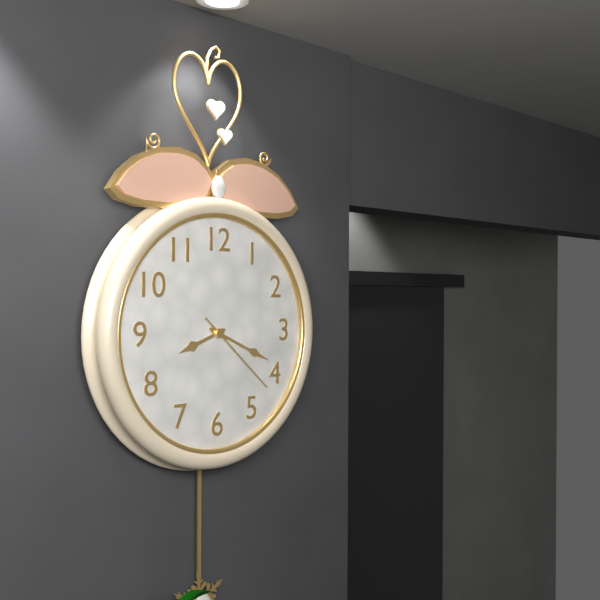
8:19:22
